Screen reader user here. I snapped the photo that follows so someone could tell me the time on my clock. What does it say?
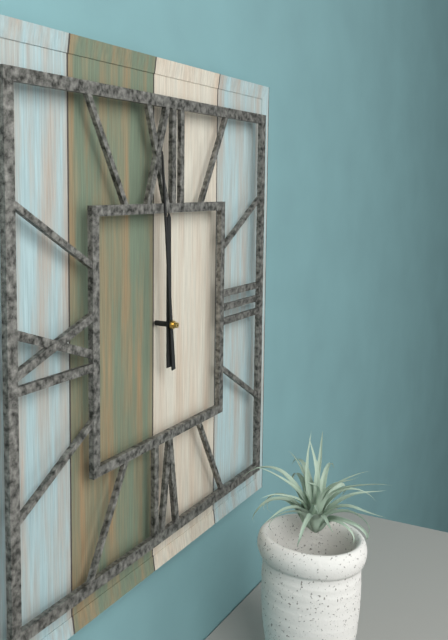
11:59
